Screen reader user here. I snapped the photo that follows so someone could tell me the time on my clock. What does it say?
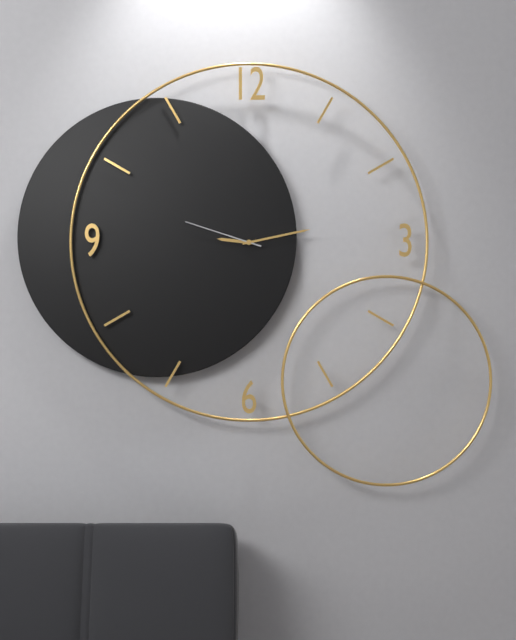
9:13:48
